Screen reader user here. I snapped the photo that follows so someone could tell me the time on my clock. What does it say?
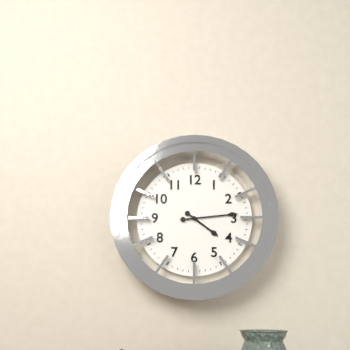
4:14
